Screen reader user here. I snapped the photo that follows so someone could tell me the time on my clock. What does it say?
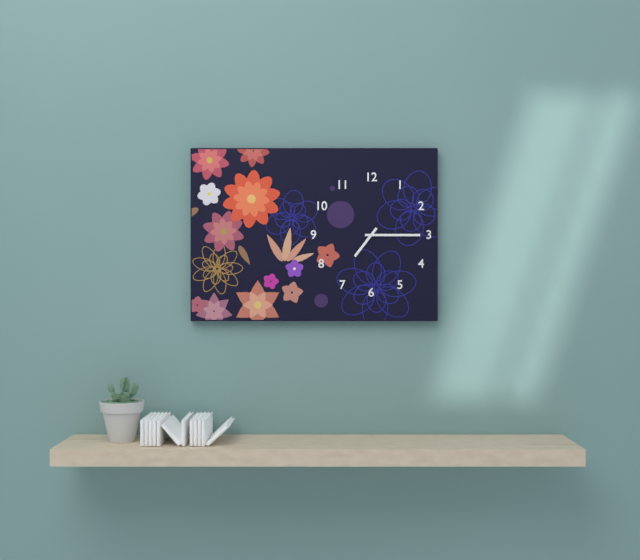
7:15
